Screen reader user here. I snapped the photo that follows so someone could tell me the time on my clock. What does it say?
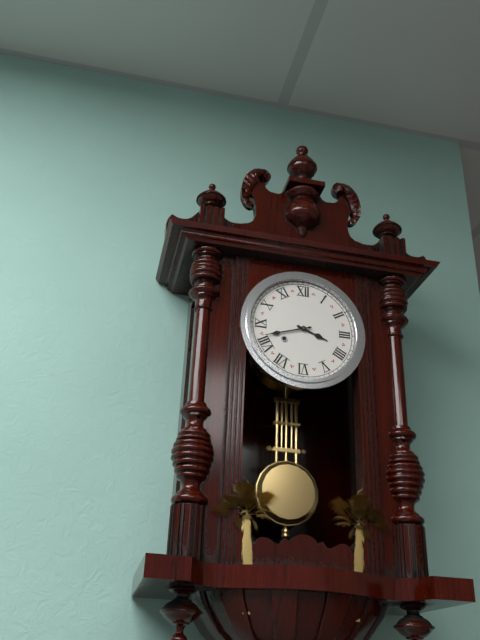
3:42
